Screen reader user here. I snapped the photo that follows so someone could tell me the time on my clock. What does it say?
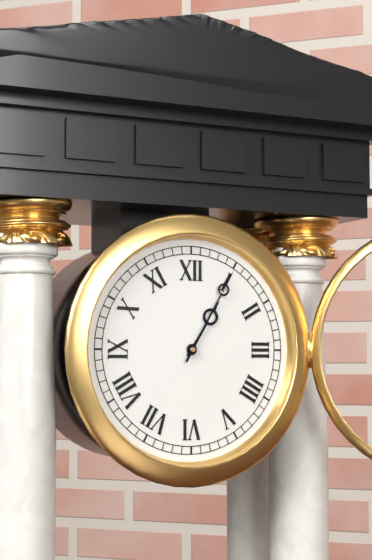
1:05
